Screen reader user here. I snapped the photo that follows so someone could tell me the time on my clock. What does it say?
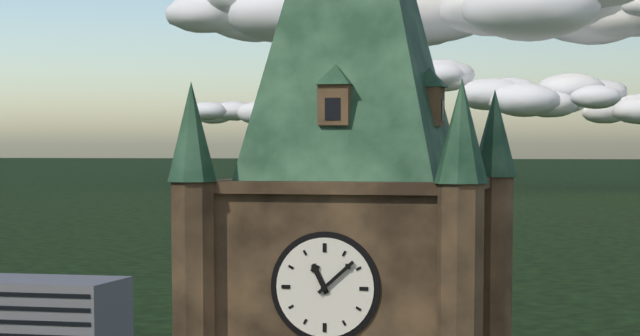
11:08
